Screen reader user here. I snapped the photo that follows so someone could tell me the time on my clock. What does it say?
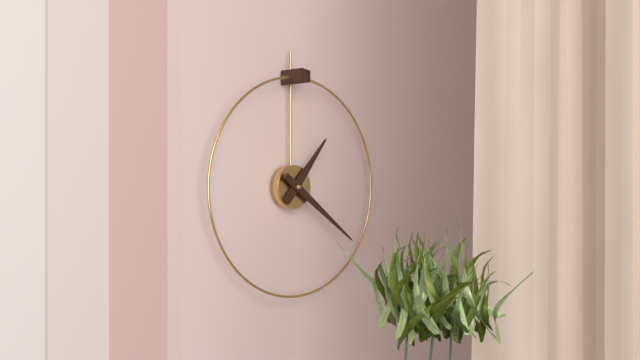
1:21
